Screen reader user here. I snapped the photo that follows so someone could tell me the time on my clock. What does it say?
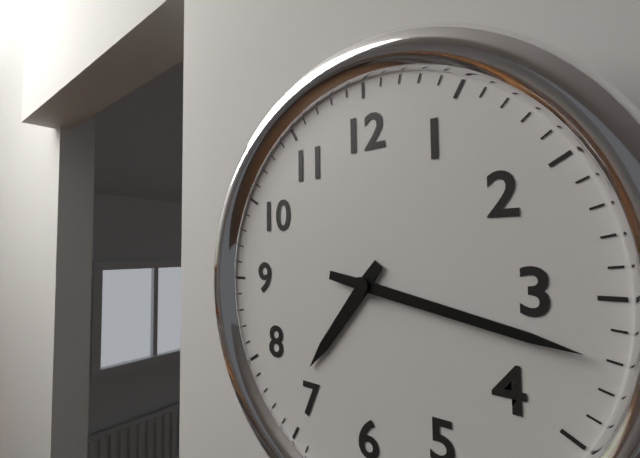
7:17
